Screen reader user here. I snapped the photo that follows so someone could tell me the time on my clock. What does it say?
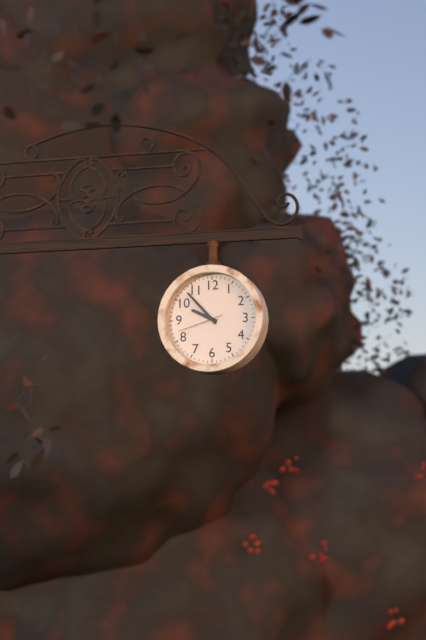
9:53
